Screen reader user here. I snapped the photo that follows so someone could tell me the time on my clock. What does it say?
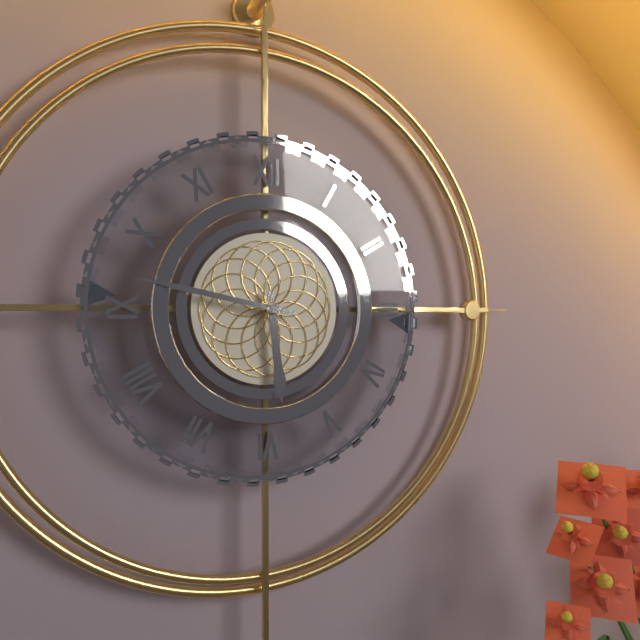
5:47
